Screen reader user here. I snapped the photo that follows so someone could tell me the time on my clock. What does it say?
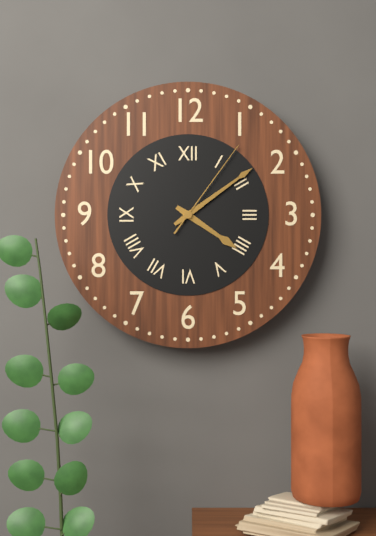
4:09:06
